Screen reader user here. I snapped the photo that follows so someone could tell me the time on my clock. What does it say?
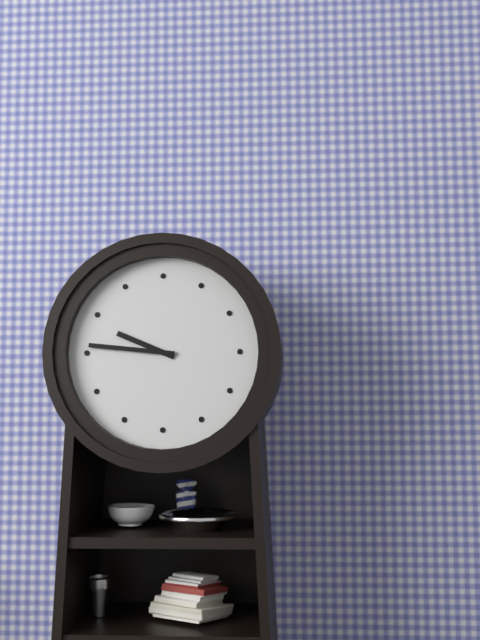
9:46
